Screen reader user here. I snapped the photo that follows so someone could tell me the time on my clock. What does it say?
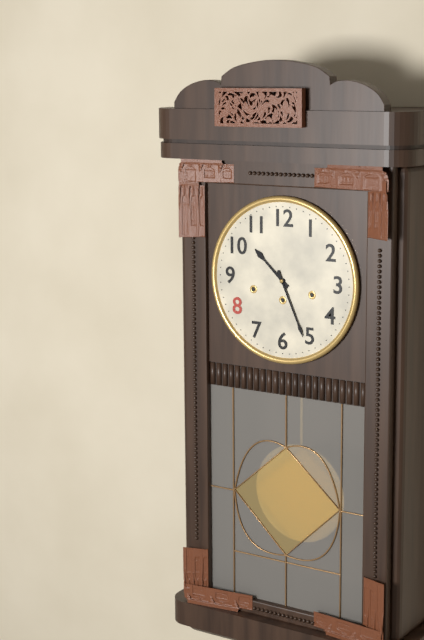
10:26
